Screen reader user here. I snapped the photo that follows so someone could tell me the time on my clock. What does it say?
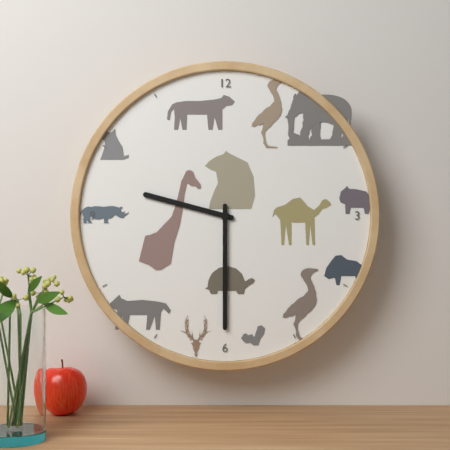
9:30
